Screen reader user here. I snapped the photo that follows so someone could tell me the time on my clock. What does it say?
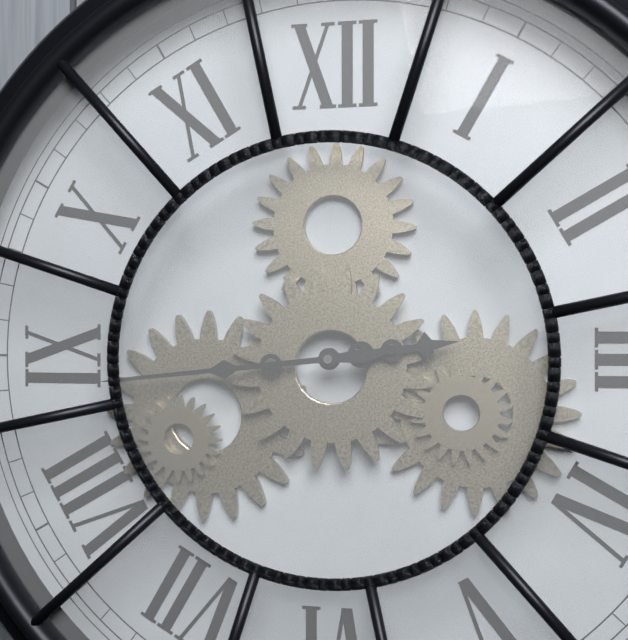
2:44
